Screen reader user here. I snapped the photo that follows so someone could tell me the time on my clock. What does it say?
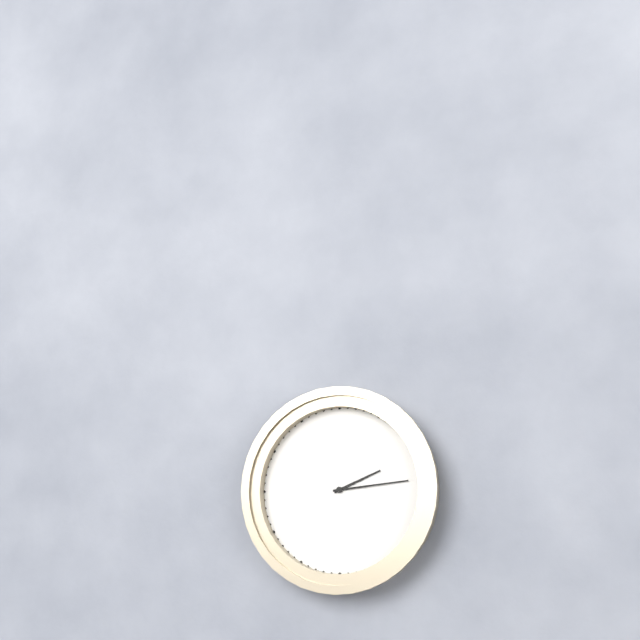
2:14
